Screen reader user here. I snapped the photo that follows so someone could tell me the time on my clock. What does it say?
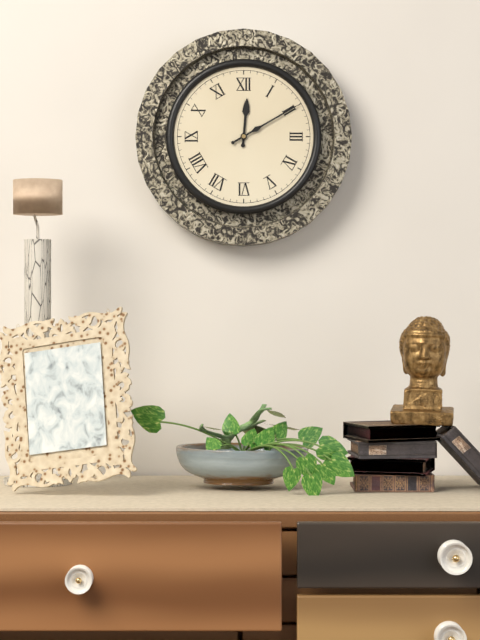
12:10
